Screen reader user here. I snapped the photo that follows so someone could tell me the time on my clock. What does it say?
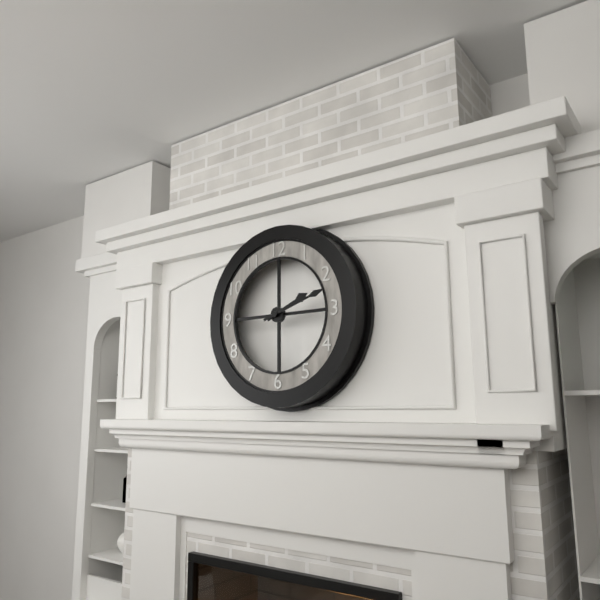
2:12
